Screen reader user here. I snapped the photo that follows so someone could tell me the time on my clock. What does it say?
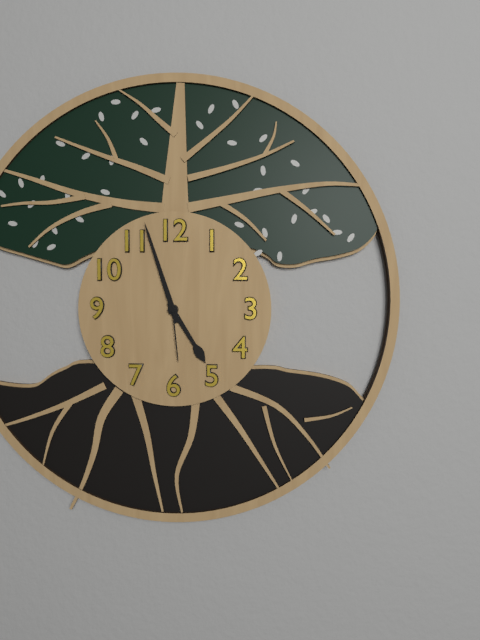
4:57:29
